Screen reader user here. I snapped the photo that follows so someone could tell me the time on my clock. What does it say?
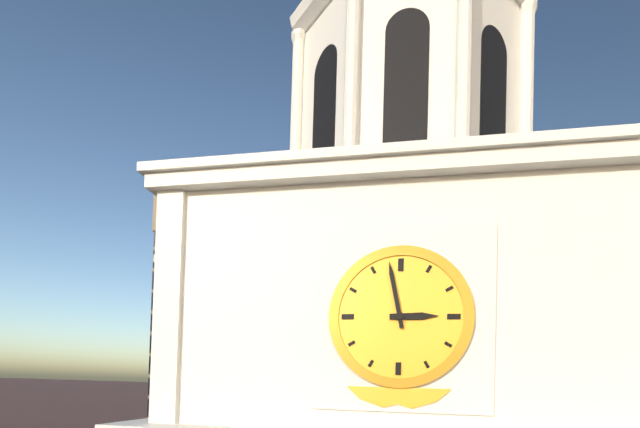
2:58
